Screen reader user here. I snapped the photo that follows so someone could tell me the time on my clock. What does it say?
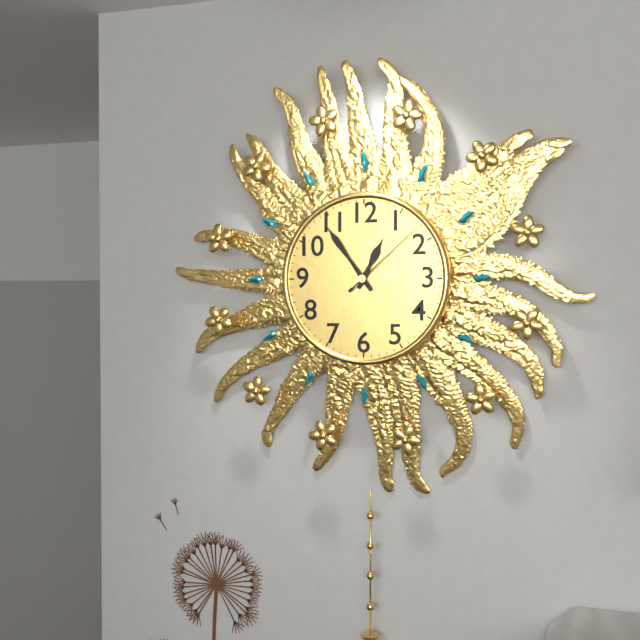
12:54:08
